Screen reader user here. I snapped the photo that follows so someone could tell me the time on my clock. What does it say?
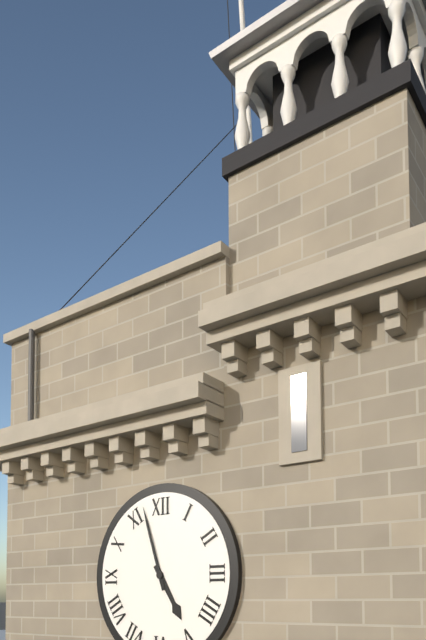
4:57
